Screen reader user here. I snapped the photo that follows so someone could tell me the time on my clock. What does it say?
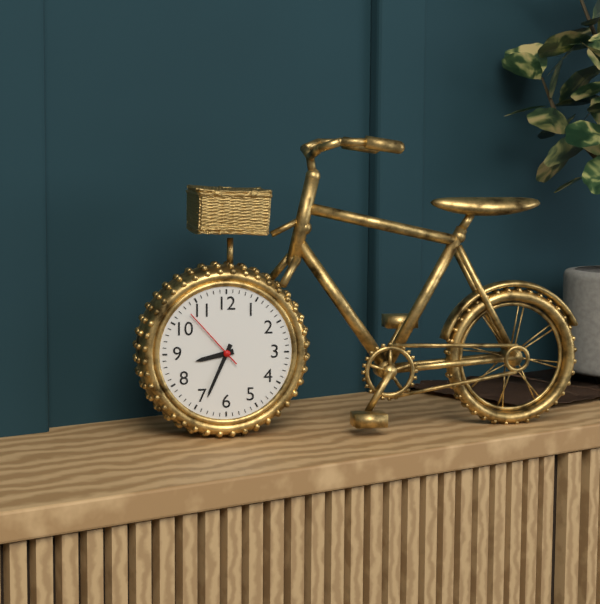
8:34:53
